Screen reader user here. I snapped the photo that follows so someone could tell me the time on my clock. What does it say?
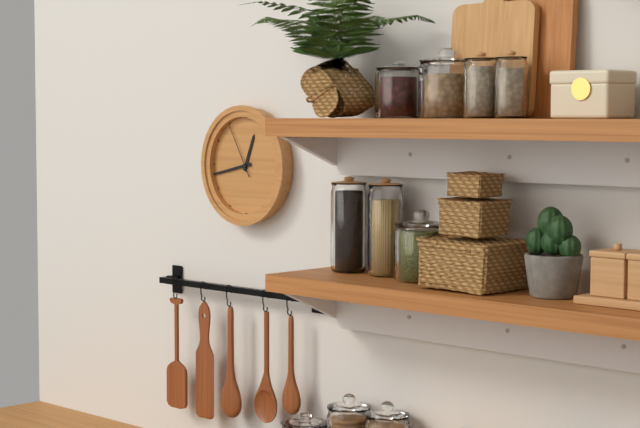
12:43:55
